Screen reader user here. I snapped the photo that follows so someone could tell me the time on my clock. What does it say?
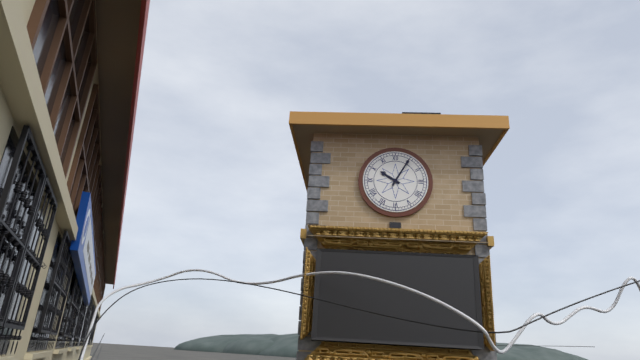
10:05
